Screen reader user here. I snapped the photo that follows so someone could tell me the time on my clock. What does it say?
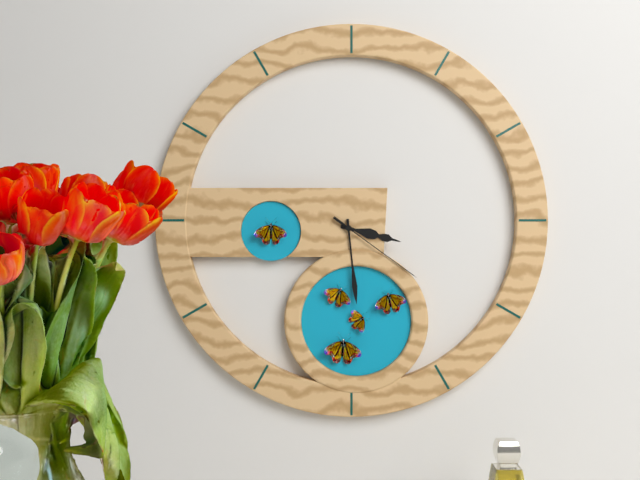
3:29:21
